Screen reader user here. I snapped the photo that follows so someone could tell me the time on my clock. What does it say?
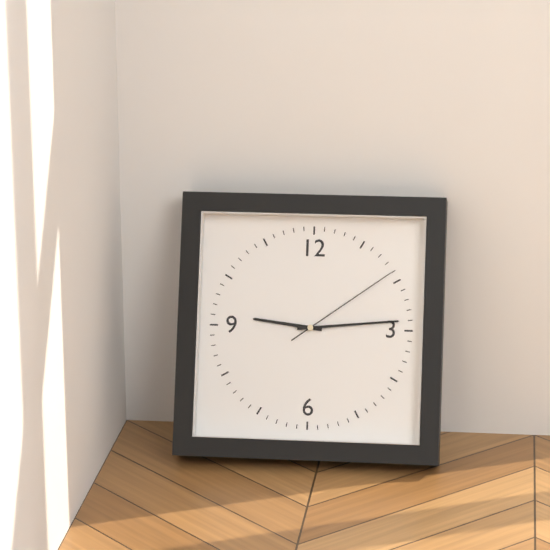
9:14:09
